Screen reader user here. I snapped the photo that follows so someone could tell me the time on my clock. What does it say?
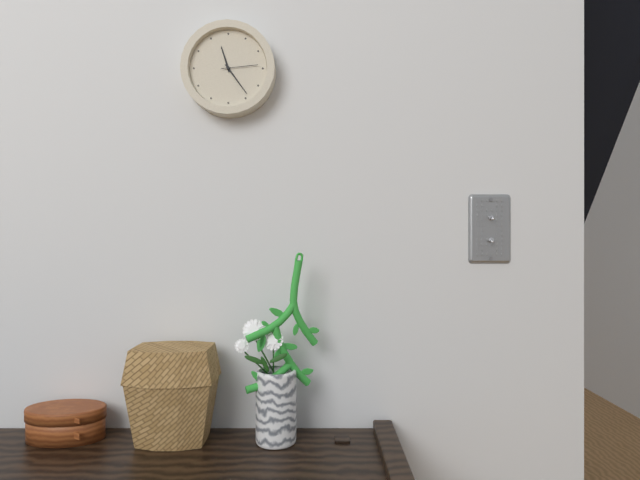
11:24
